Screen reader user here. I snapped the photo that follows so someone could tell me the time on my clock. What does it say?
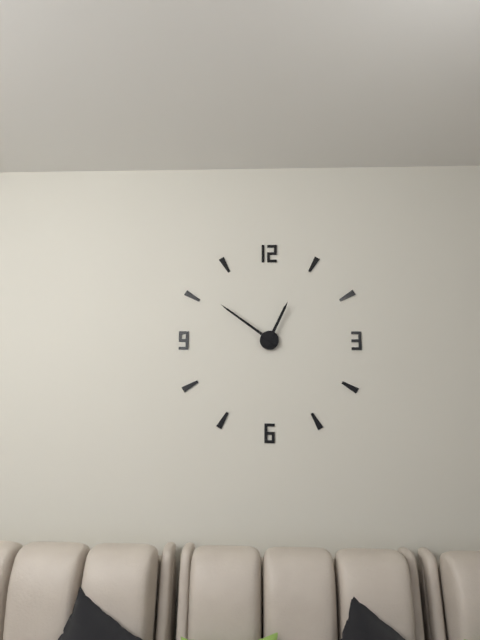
12:51
